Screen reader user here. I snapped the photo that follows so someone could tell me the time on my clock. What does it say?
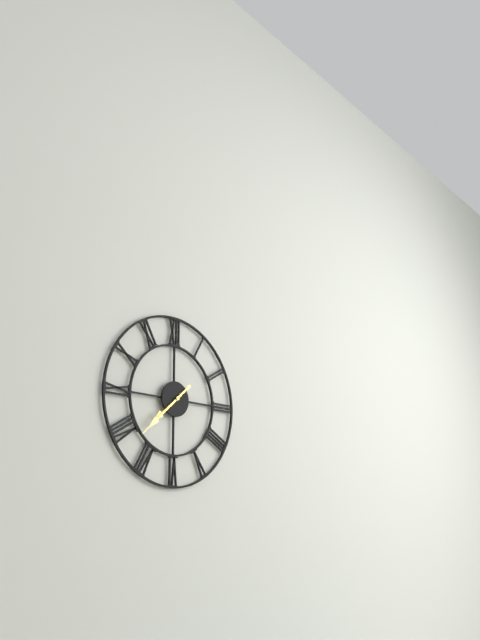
7:38
